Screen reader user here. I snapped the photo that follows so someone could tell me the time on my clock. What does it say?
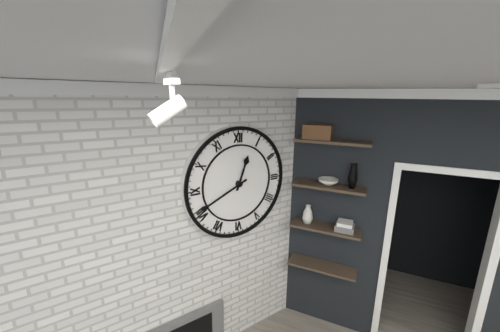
12:41
